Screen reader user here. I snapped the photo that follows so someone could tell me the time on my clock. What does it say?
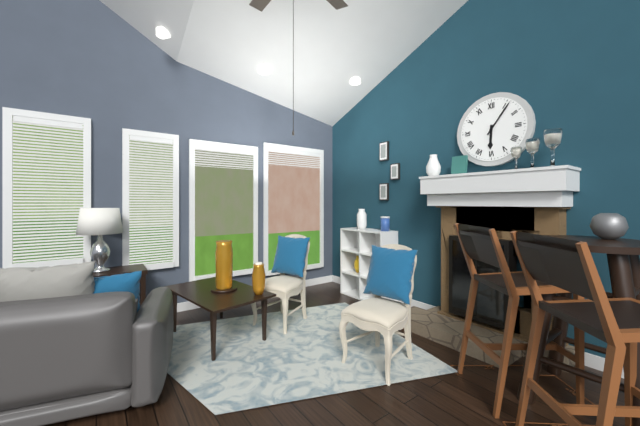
6:06
